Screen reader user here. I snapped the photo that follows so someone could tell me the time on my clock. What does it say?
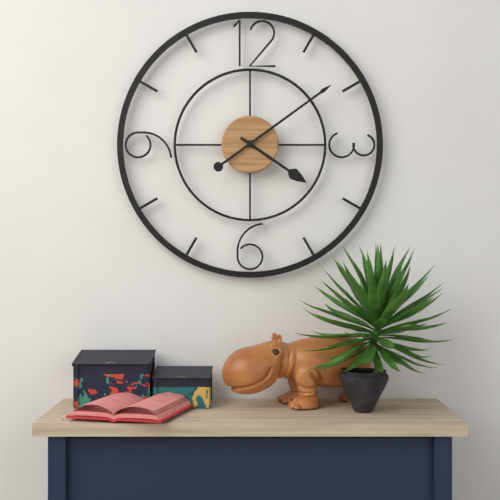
4:09
